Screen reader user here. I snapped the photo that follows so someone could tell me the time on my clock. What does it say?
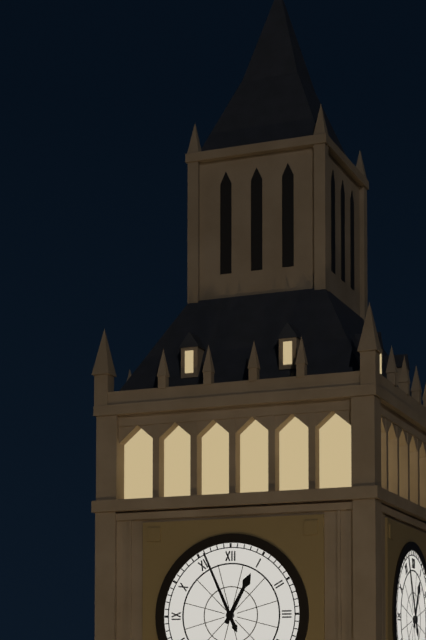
12:56
